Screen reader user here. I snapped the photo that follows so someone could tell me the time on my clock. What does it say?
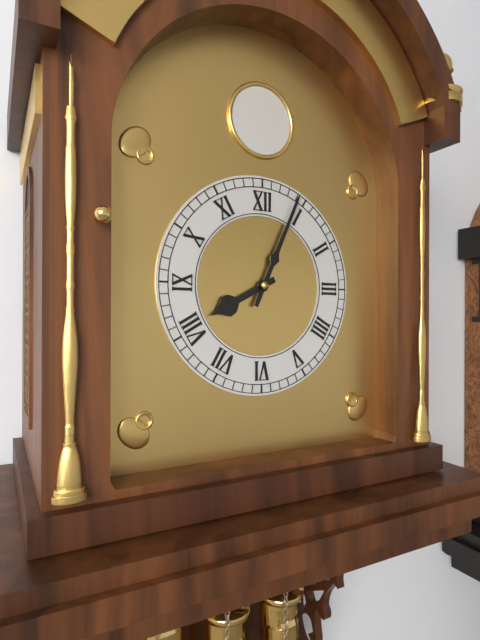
8:04
